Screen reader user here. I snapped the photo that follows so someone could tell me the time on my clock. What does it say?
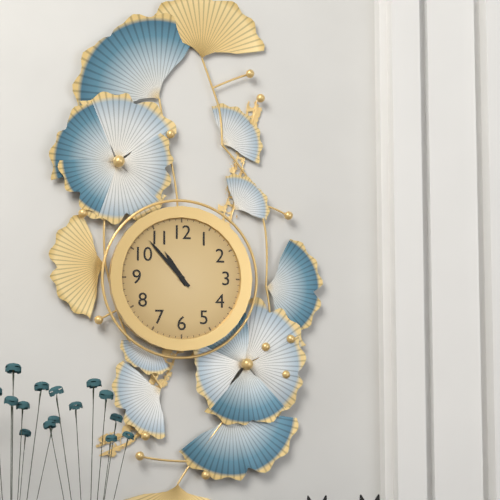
10:53
